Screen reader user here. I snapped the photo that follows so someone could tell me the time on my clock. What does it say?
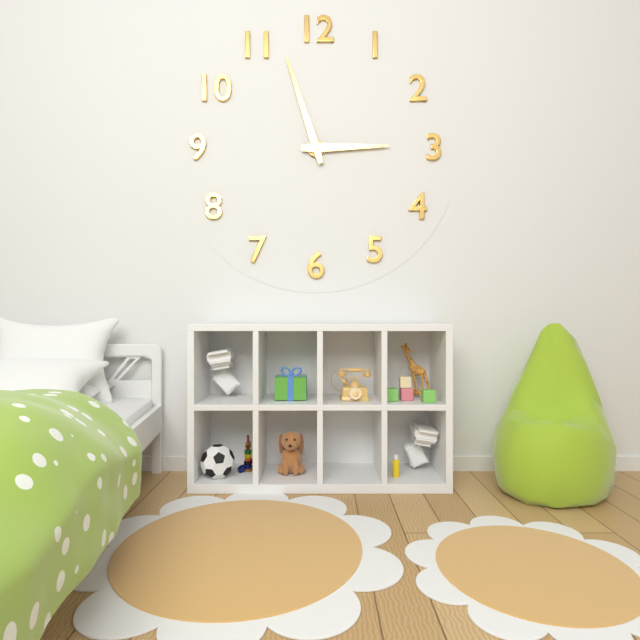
2:57
